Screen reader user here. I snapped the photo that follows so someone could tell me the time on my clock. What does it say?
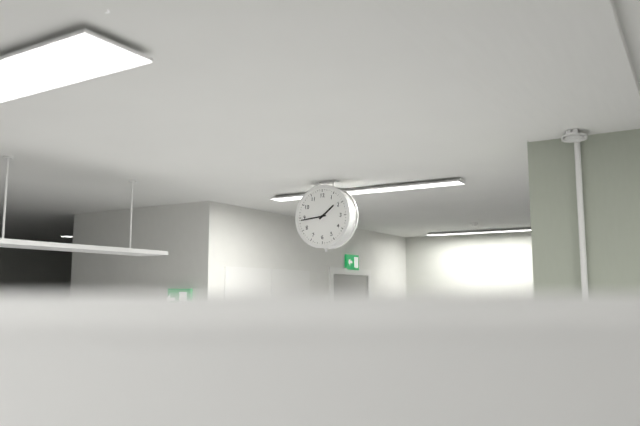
1:44
